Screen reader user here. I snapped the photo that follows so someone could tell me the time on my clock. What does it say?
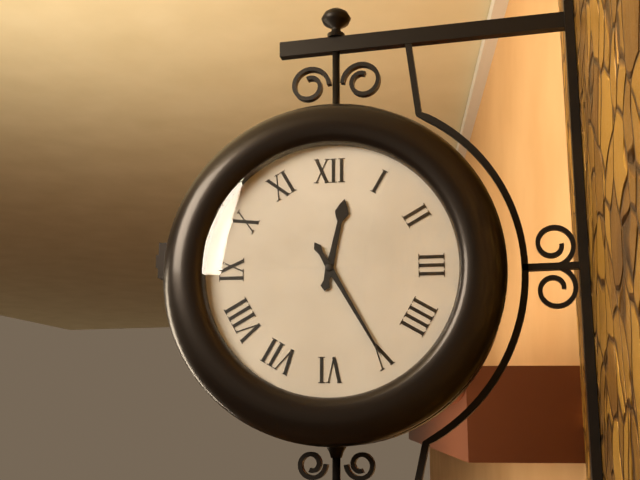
12:25
